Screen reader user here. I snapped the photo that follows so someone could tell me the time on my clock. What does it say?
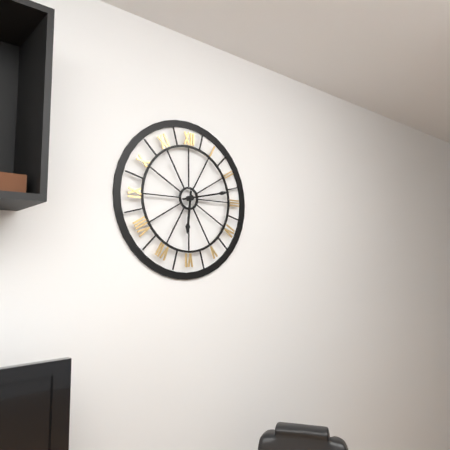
6:13
